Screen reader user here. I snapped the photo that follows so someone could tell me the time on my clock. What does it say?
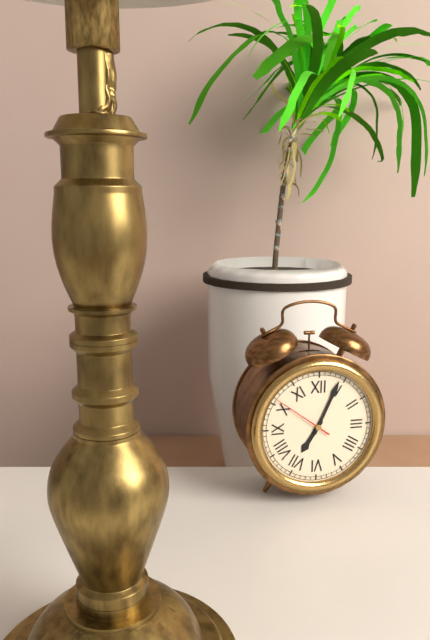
7:04:51
